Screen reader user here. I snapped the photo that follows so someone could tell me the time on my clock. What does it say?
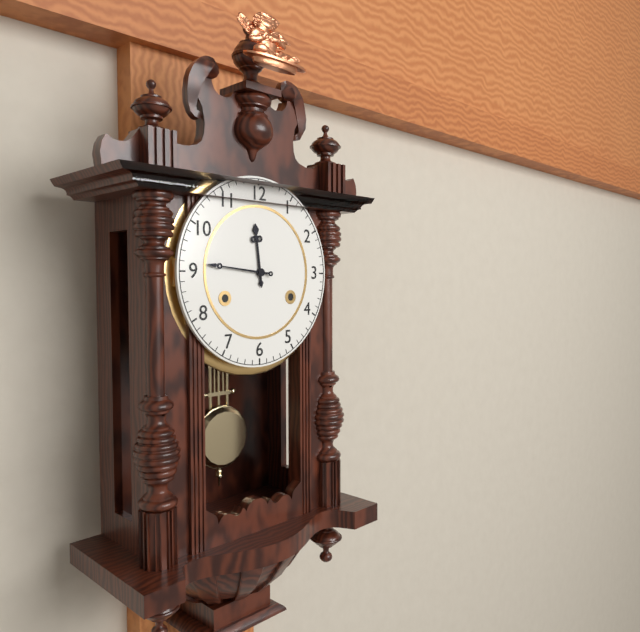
11:46
